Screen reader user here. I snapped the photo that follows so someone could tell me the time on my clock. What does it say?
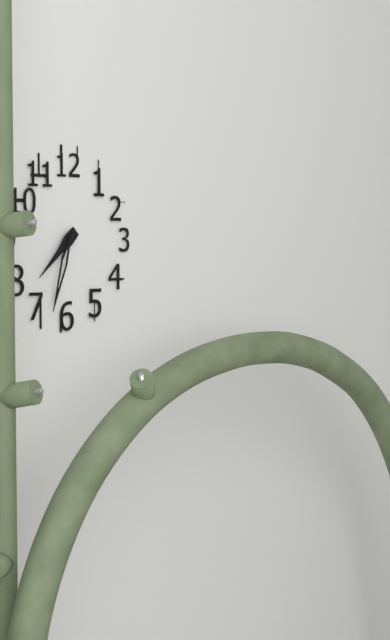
7:33
